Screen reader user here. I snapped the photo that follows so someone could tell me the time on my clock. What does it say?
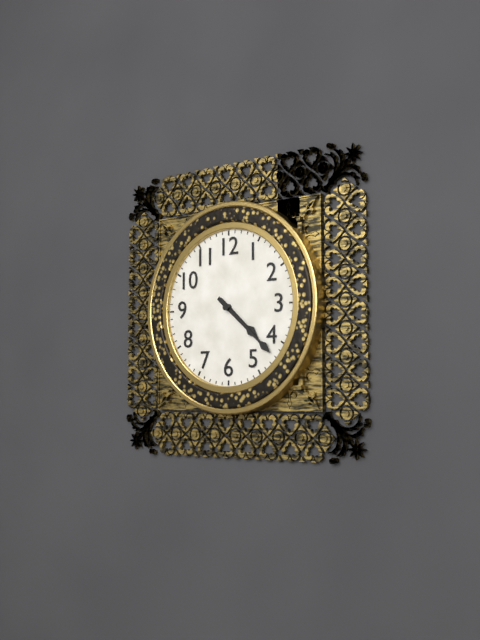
4:22
